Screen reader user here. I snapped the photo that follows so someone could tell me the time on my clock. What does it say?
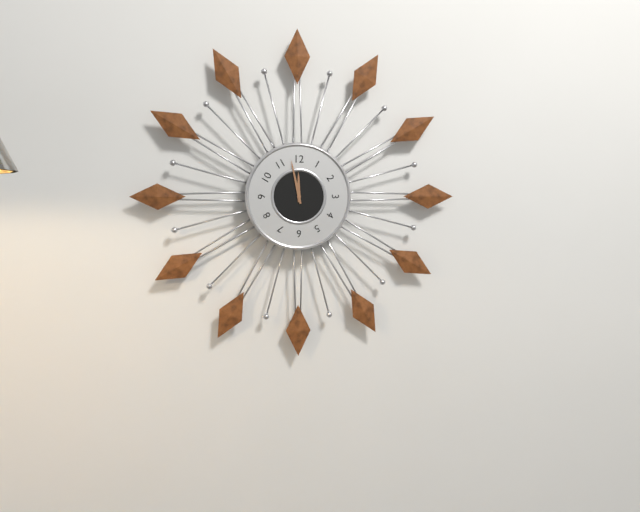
11:58
